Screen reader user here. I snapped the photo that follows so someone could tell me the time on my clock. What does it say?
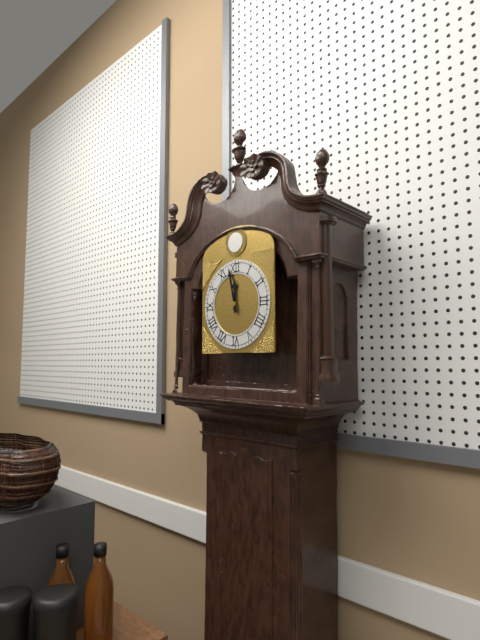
11:58
